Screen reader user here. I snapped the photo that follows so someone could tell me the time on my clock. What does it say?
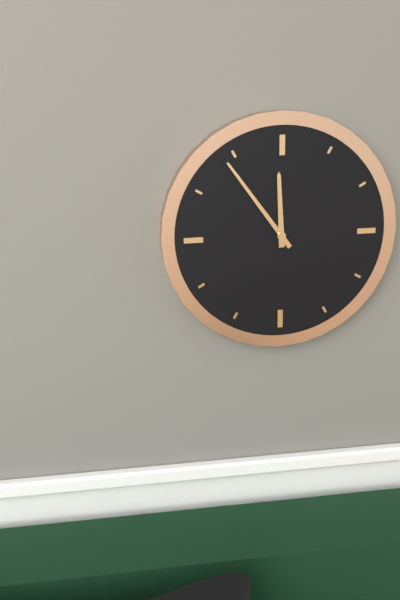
11:54
